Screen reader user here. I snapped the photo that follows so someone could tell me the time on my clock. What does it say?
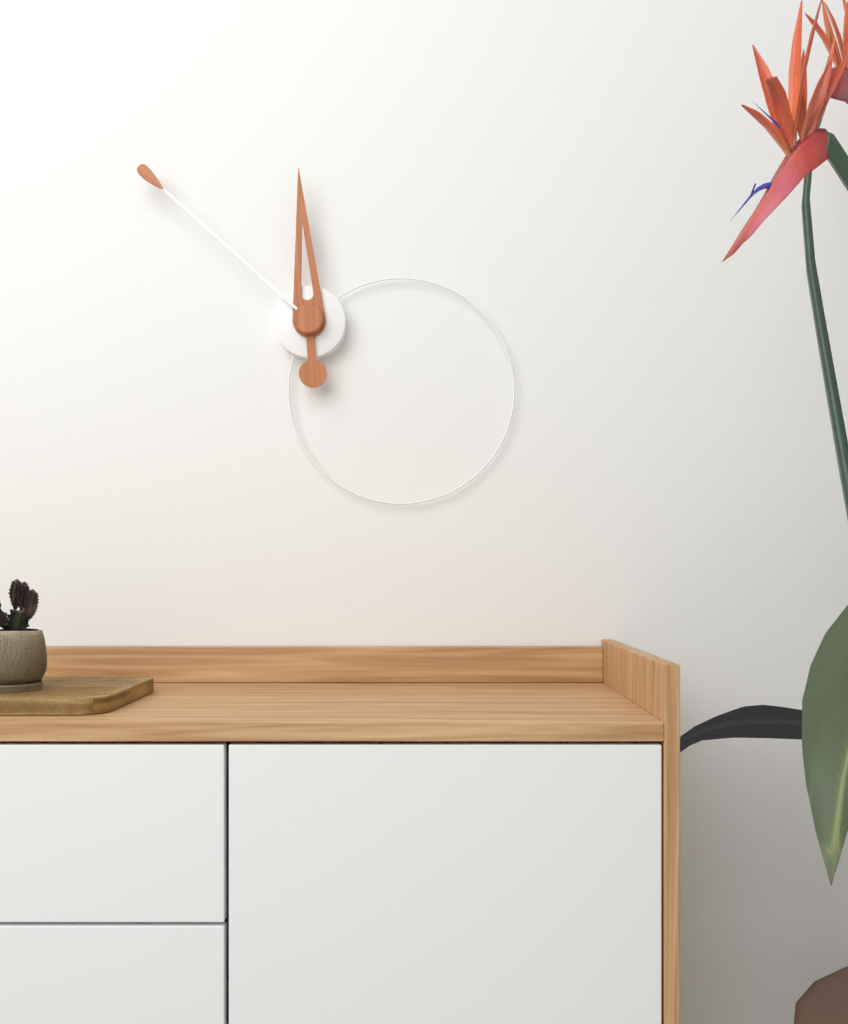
11:52
